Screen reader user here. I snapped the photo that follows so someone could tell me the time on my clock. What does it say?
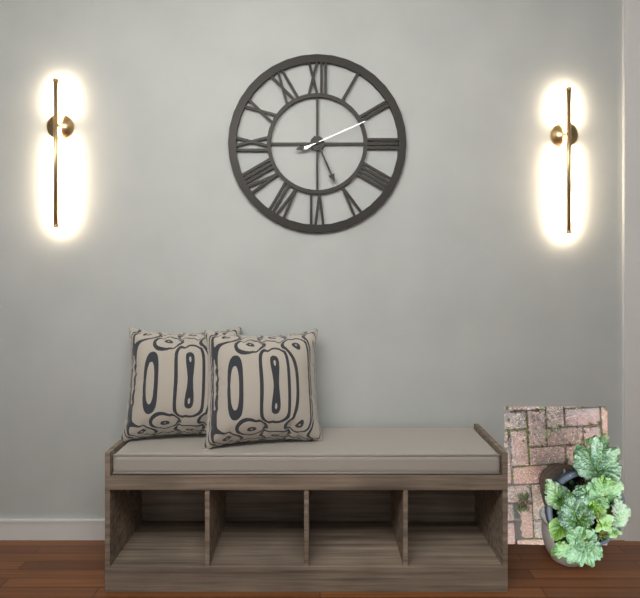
8:26:11
